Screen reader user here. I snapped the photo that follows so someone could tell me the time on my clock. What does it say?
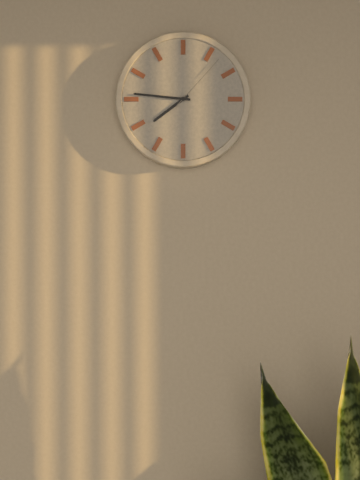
7:46:07
